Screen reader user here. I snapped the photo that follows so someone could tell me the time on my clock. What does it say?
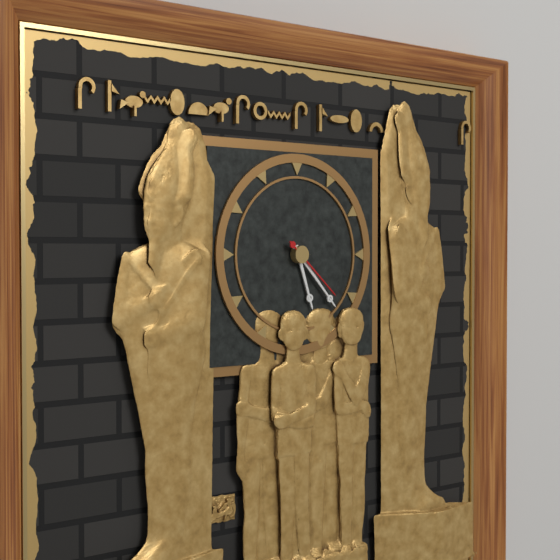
5:23:22
